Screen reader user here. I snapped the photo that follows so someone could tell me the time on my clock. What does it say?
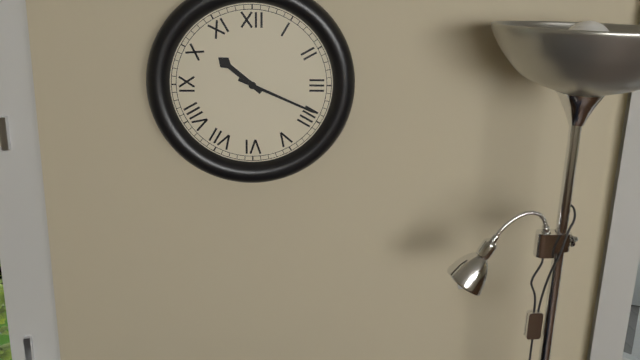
10:19
